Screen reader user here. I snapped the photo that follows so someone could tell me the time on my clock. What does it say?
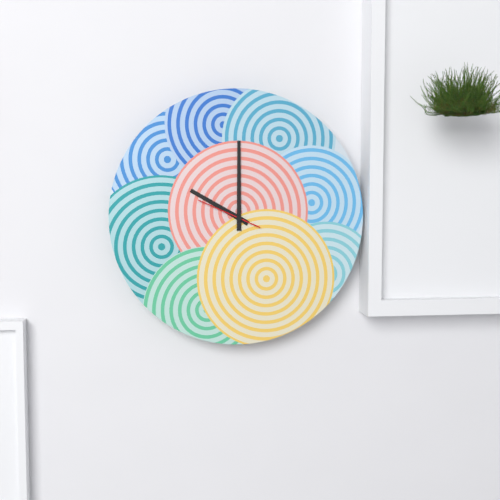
10:00:49
